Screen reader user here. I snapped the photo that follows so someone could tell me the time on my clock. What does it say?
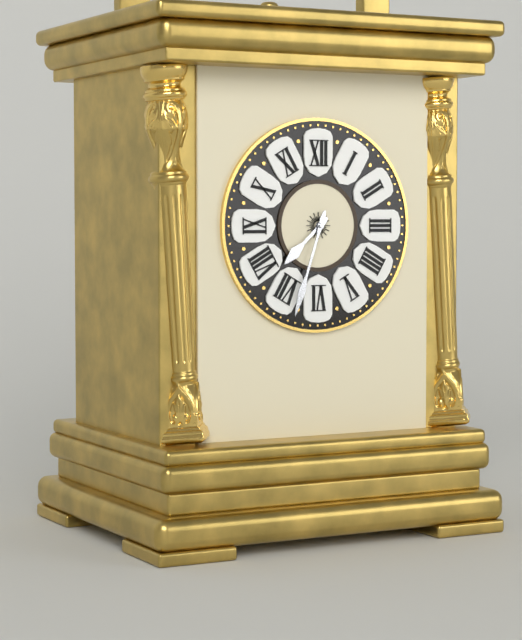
7:33
